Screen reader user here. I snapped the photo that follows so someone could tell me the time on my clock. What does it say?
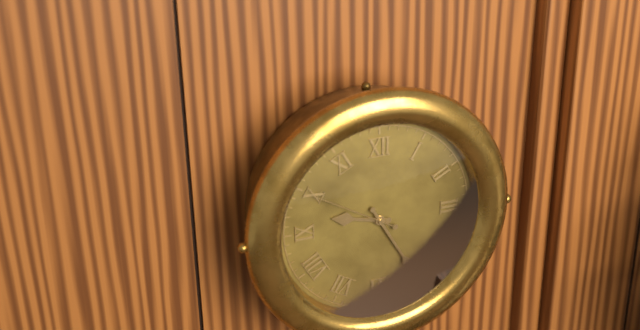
9:25:50
